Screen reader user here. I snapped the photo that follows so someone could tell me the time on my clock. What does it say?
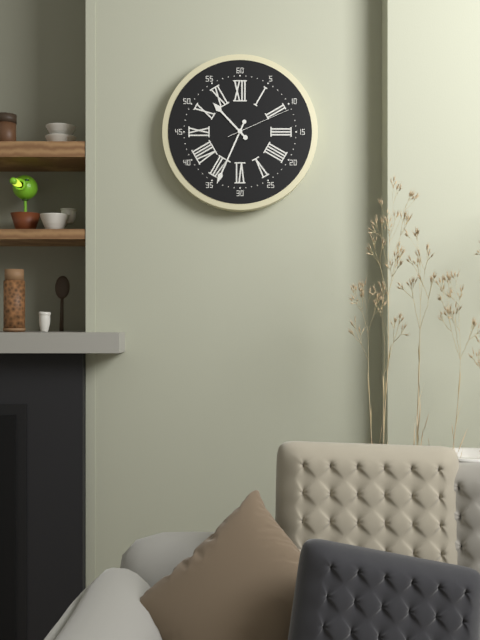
10:34:11
